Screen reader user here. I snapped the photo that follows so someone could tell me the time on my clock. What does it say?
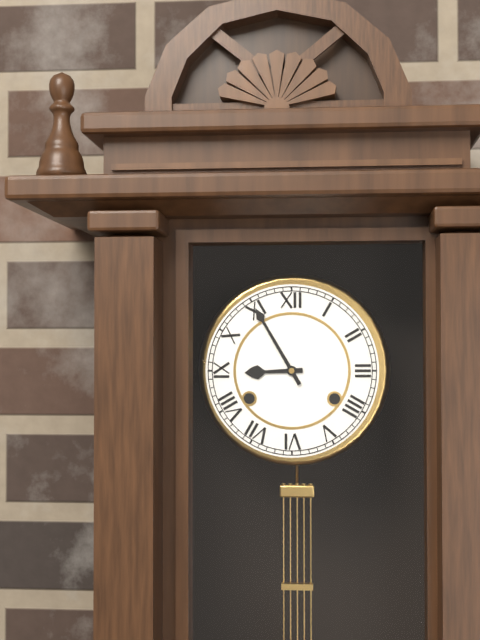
8:55
